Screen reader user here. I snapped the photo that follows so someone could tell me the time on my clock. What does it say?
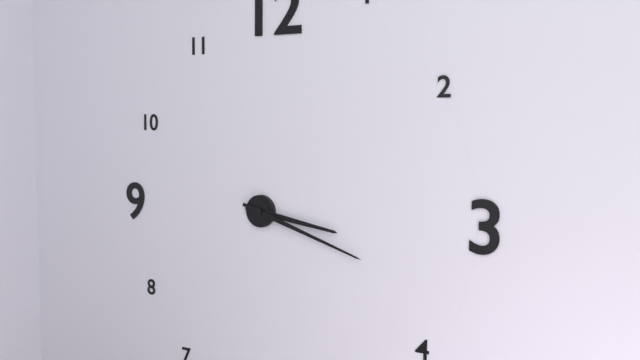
3:18
